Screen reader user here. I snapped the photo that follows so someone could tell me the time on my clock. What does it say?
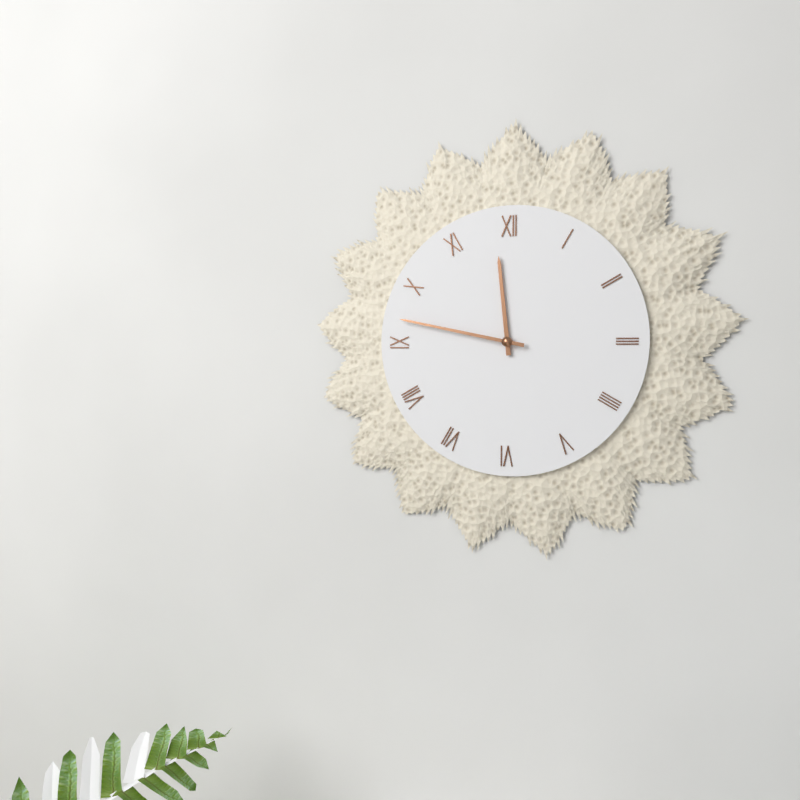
11:47
